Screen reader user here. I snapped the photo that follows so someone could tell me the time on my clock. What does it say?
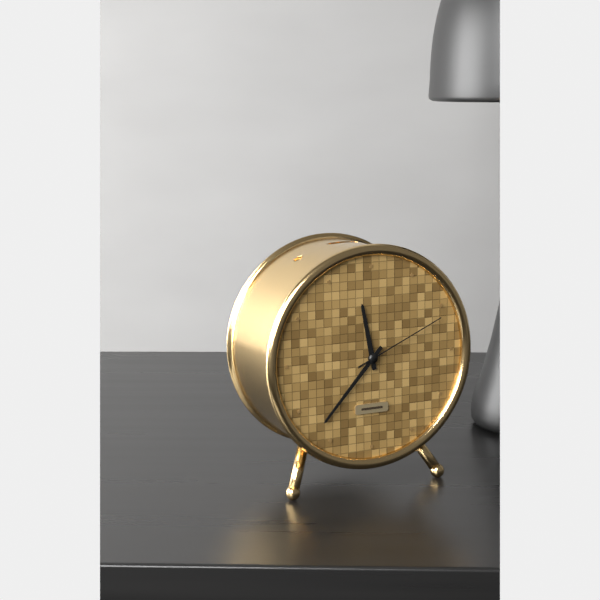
11:37:11
